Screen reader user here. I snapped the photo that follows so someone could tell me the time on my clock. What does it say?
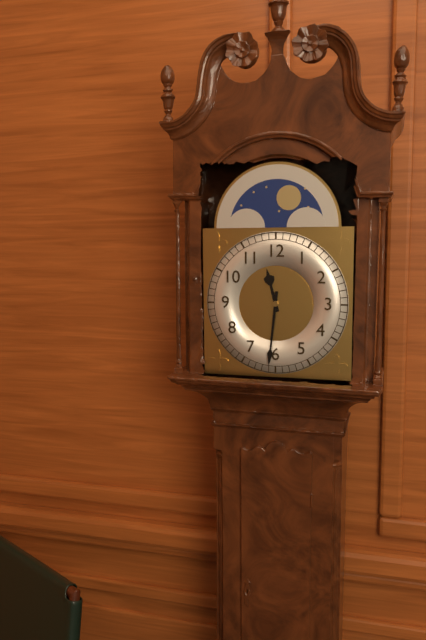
11:31
